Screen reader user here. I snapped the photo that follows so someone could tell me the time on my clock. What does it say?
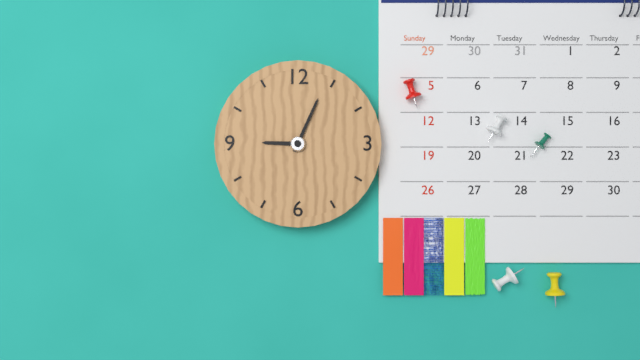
9:04
